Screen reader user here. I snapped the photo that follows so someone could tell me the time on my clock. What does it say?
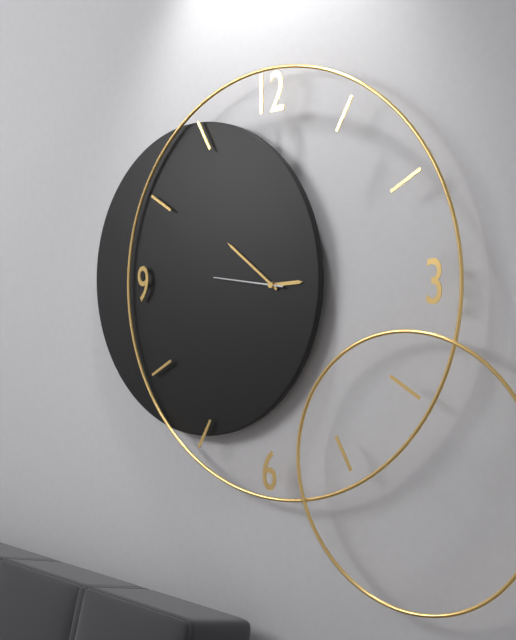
2:51:46
